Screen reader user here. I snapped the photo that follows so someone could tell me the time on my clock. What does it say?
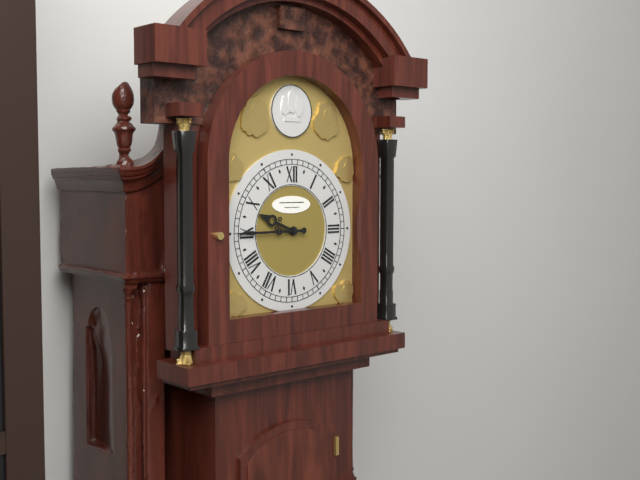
9:45
